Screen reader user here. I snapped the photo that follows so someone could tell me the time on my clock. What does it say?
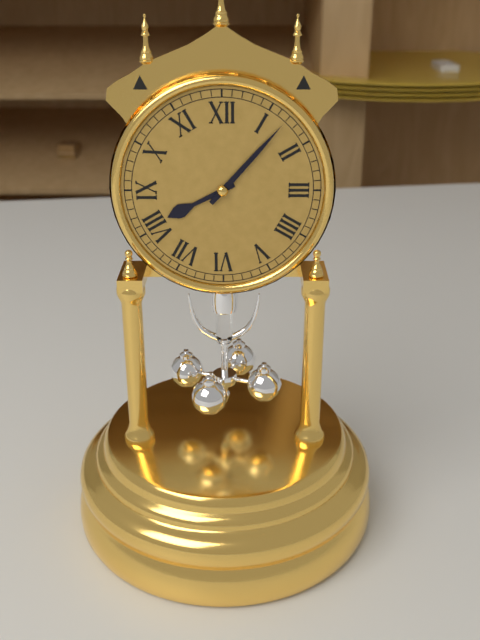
8:07
